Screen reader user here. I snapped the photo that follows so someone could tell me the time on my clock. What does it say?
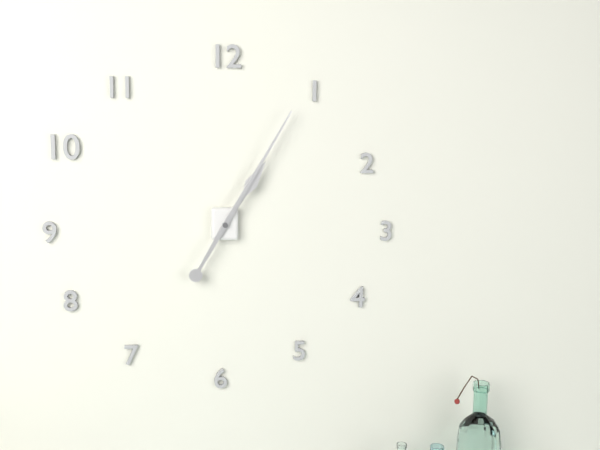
1:05
